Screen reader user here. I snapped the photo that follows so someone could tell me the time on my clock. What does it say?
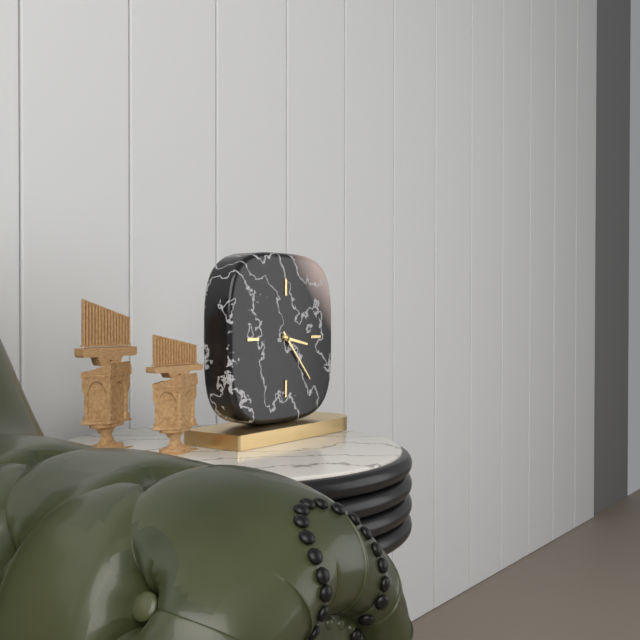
3:23
